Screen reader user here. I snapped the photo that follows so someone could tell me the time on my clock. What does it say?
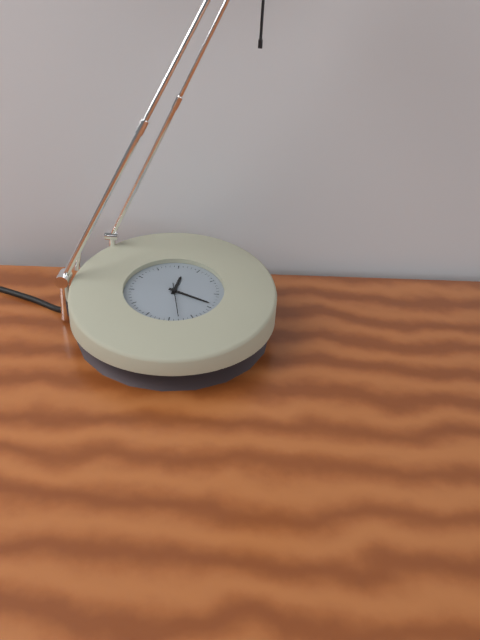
12:19
